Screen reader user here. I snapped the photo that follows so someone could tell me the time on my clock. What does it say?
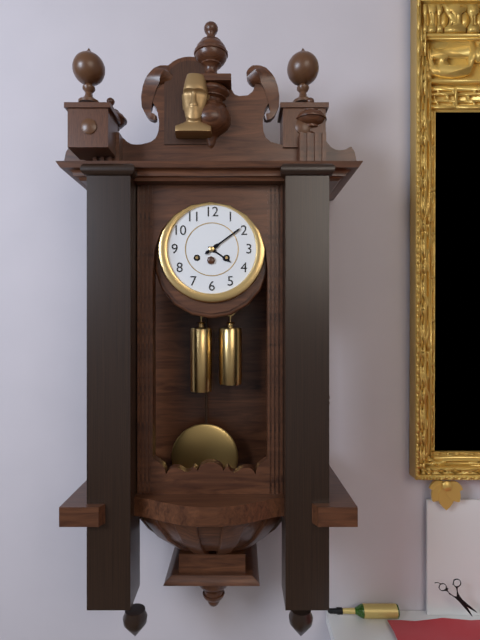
4:09
